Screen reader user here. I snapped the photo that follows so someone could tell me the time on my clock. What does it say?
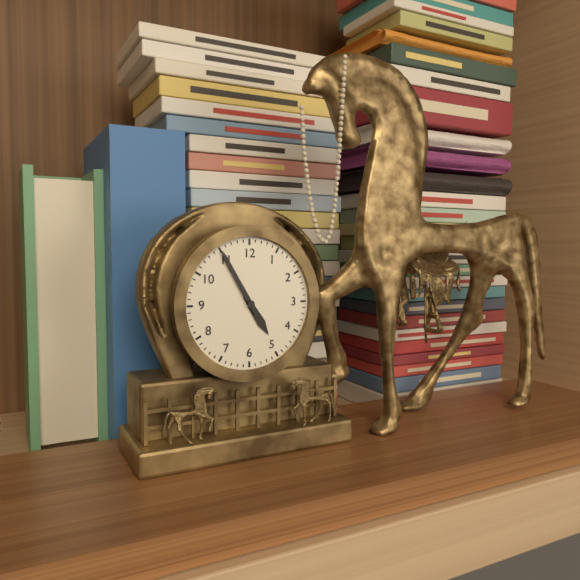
4:55
